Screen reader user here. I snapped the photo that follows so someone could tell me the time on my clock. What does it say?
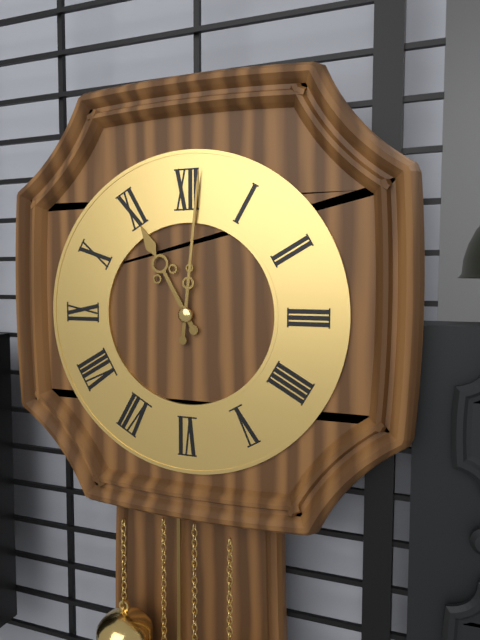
11:01
